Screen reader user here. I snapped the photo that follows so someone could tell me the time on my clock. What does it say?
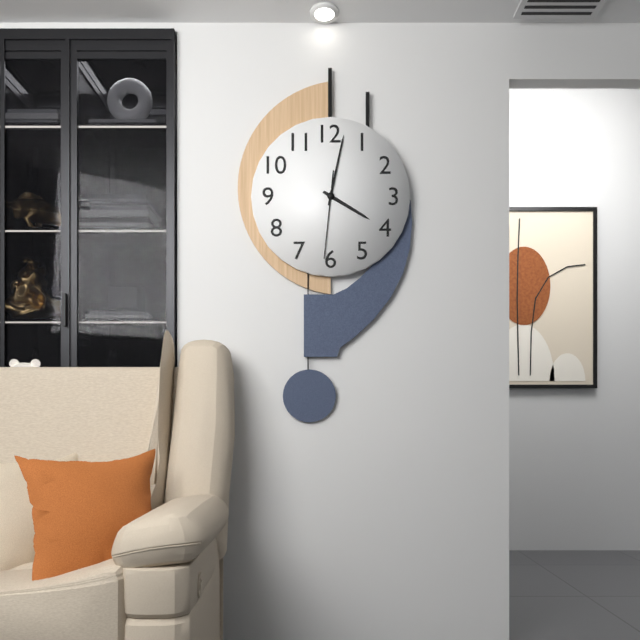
4:02:31
